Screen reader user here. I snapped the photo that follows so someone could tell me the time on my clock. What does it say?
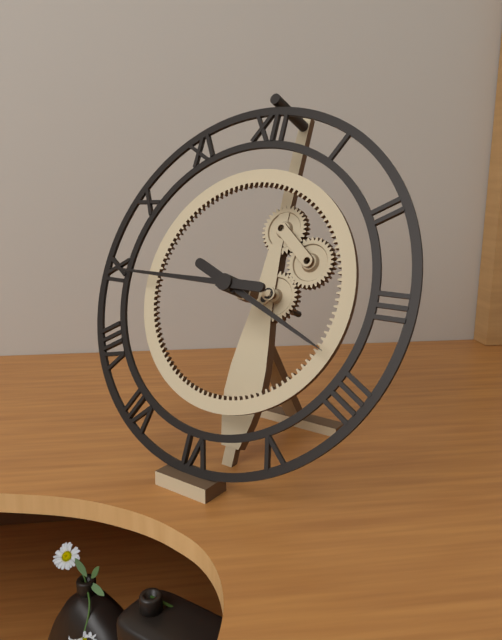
3:45
